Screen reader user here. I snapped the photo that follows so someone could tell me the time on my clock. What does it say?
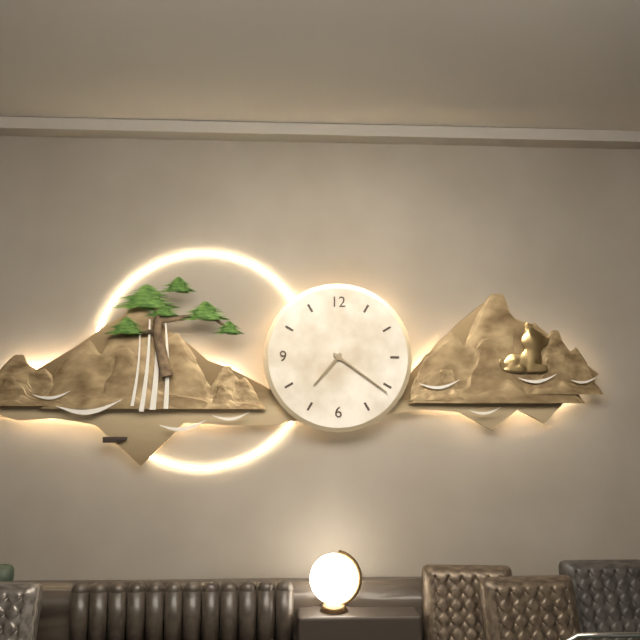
7:21
